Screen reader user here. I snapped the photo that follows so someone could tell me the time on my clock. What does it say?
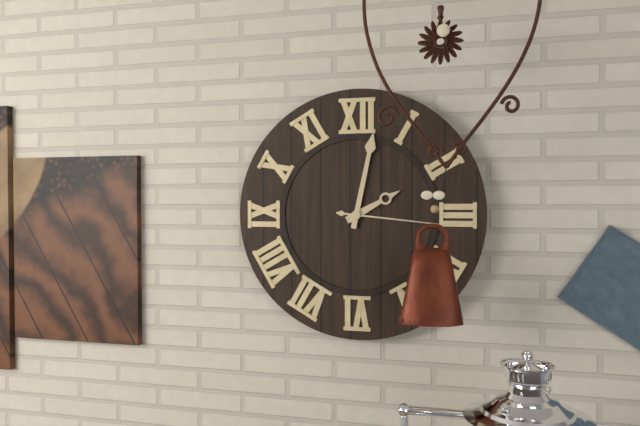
2:02:16
